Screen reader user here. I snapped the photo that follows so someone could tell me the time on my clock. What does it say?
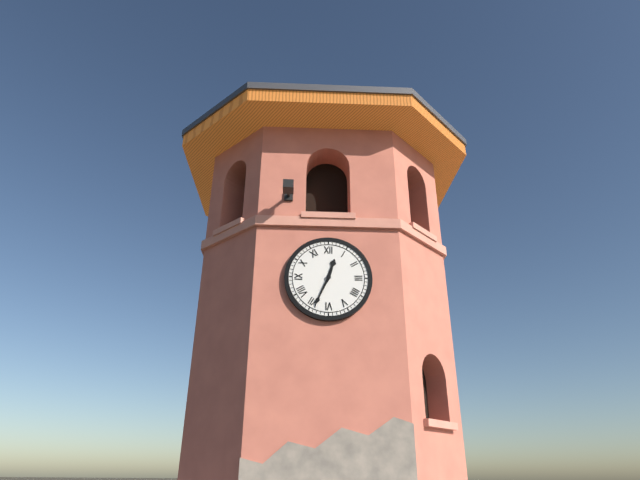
12:34
